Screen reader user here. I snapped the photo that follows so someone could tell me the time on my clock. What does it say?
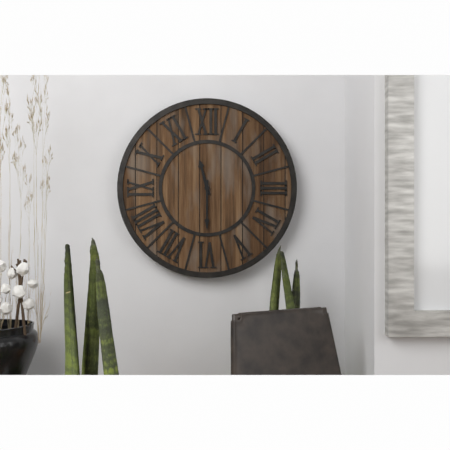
11:30
